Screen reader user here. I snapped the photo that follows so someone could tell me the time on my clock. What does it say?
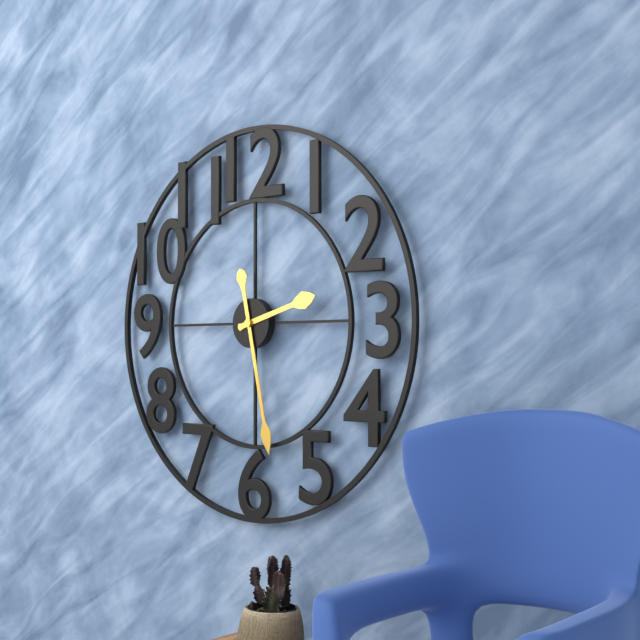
2:28
